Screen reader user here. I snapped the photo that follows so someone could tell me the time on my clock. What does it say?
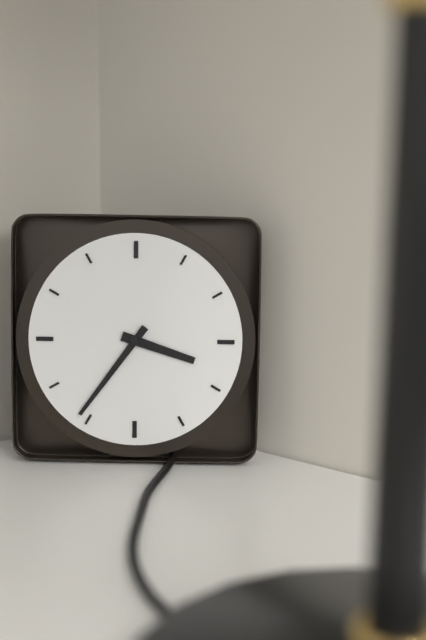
3:36
